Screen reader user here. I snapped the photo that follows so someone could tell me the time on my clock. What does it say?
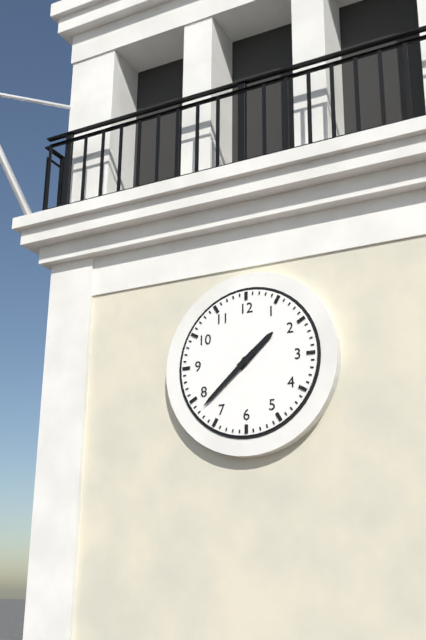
1:38
